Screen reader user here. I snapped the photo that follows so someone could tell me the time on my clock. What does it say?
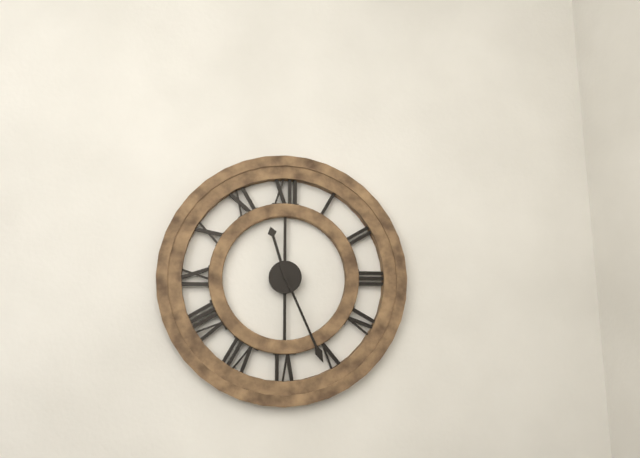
11:26
